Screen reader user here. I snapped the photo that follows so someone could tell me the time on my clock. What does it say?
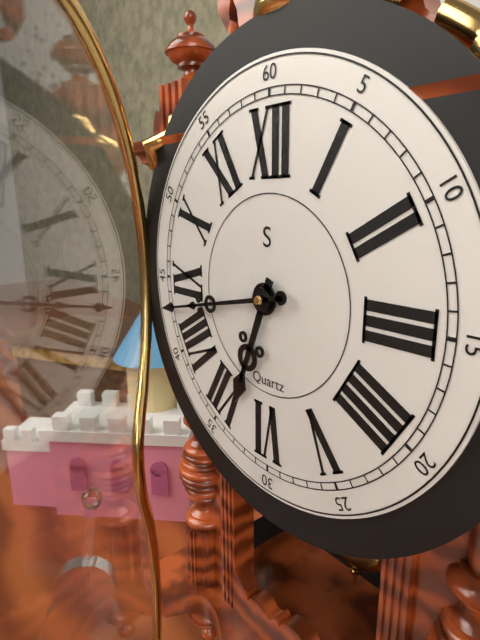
6:43
